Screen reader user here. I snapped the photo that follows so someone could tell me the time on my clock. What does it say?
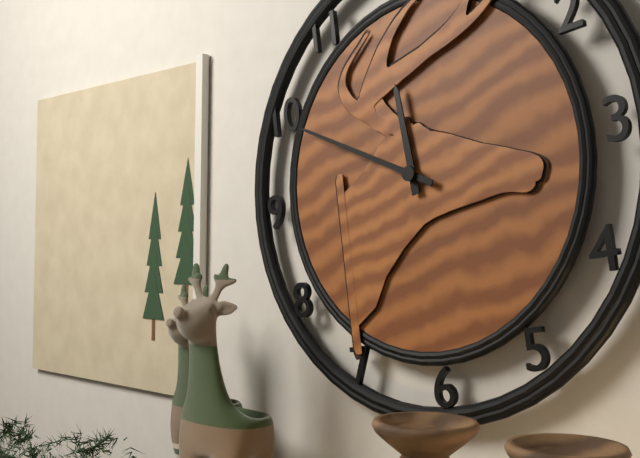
11:50
